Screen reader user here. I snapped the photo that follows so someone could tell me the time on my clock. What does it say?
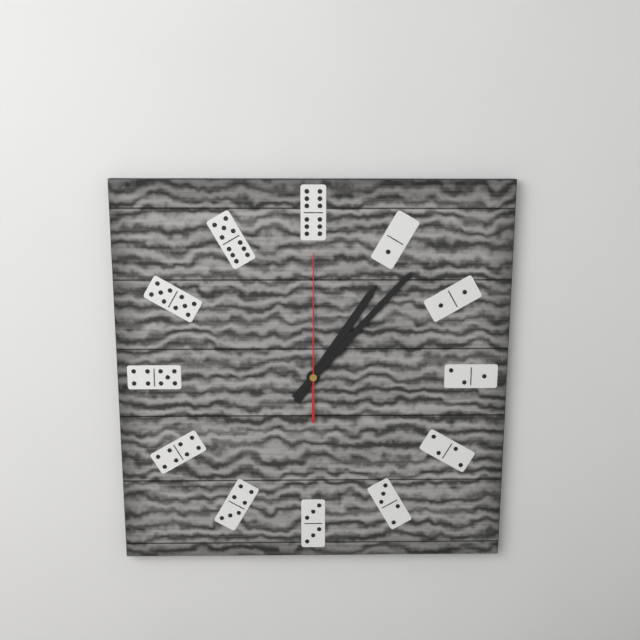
1:07:00
